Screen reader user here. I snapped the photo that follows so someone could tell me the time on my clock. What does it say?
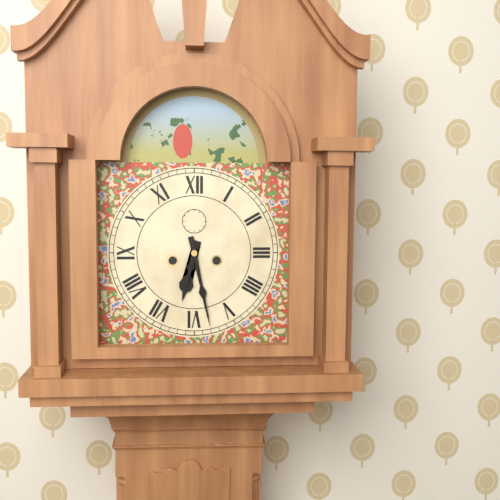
6:28
